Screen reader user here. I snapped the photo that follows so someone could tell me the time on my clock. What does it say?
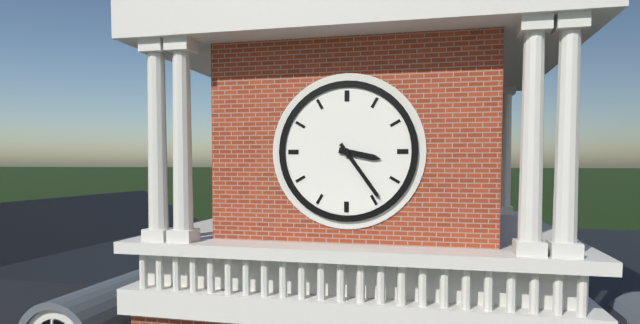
3:24
